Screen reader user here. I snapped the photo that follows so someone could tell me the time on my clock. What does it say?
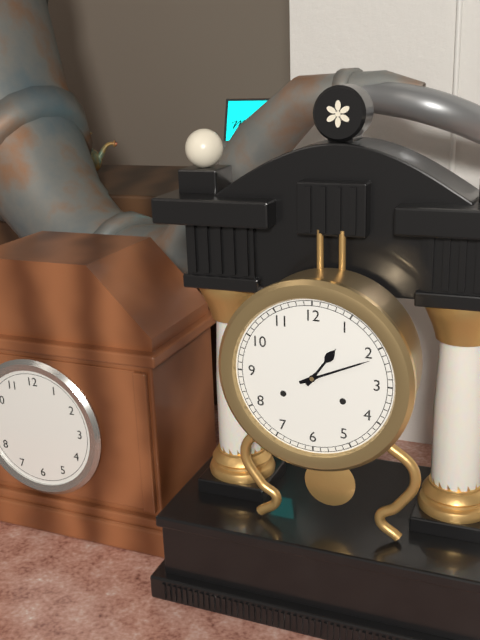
1:11
